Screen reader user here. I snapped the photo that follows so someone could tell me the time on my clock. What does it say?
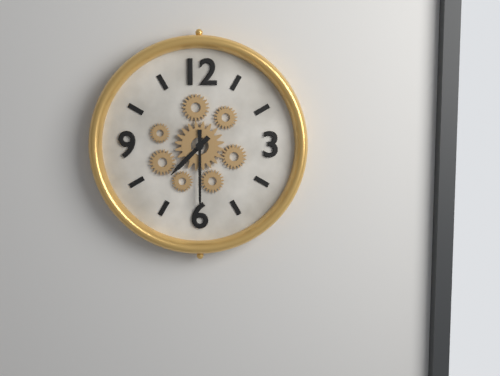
7:30
